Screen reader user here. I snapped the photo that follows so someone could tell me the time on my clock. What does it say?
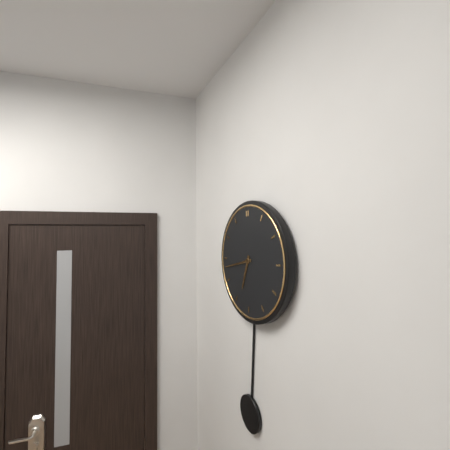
6:43
